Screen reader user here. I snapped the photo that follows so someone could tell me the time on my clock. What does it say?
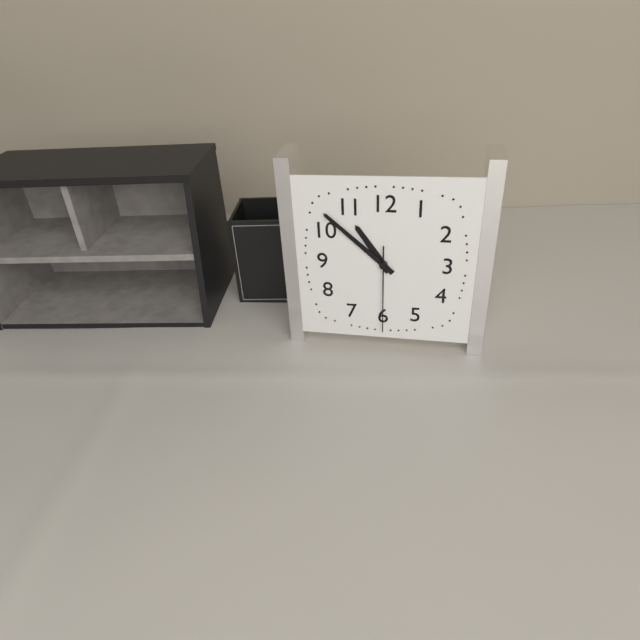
10:52:30
